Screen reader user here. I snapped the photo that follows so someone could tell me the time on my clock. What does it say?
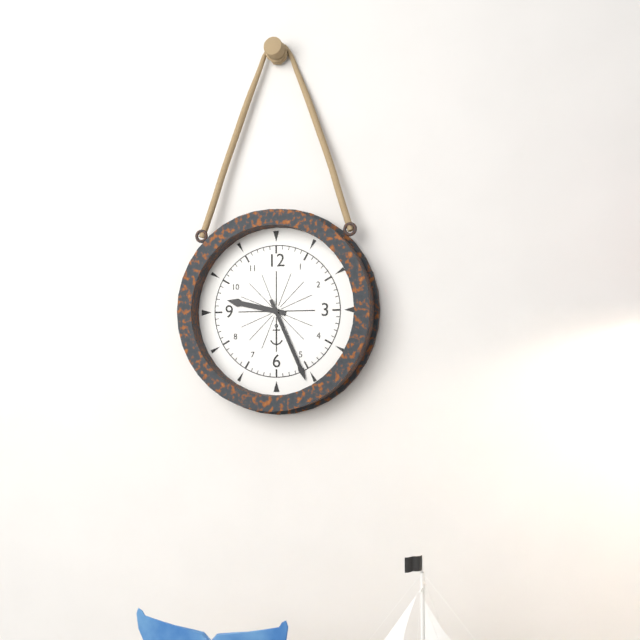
9:26
